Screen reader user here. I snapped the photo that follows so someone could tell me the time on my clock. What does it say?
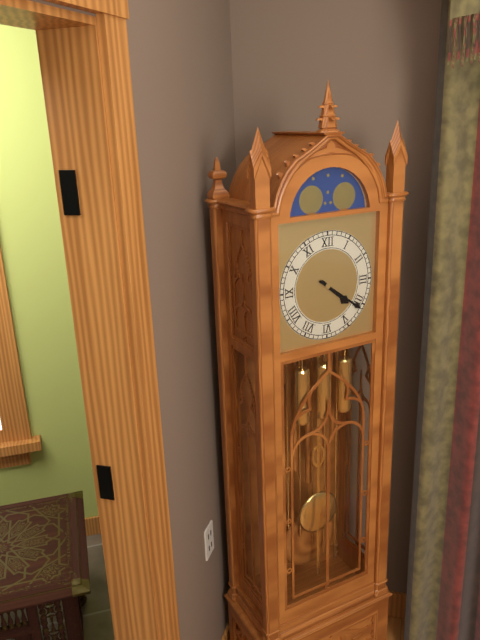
4:21
